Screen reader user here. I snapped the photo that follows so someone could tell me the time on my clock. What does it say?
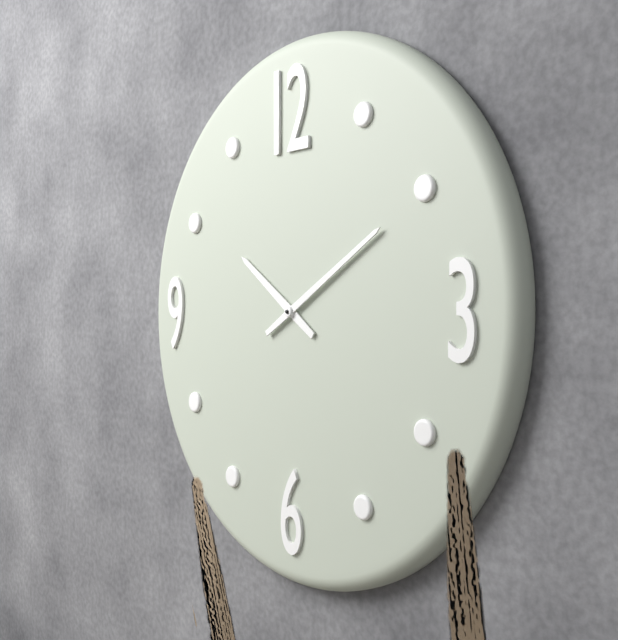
10:10
